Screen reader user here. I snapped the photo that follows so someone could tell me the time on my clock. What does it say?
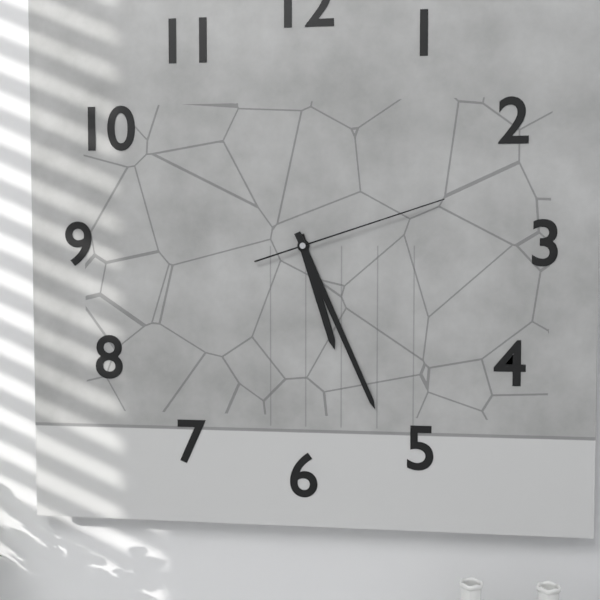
5:26:12
